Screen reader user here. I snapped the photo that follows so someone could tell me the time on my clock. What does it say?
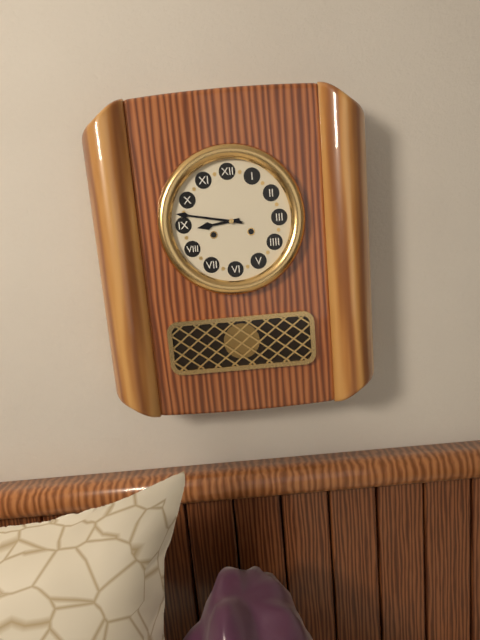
8:47
